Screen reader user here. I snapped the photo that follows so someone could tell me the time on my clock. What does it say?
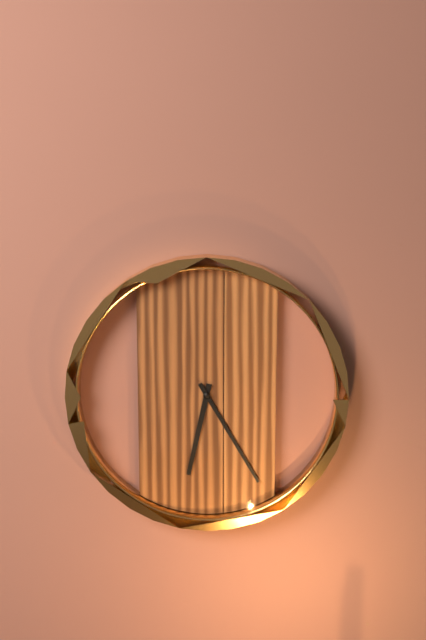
6:25
